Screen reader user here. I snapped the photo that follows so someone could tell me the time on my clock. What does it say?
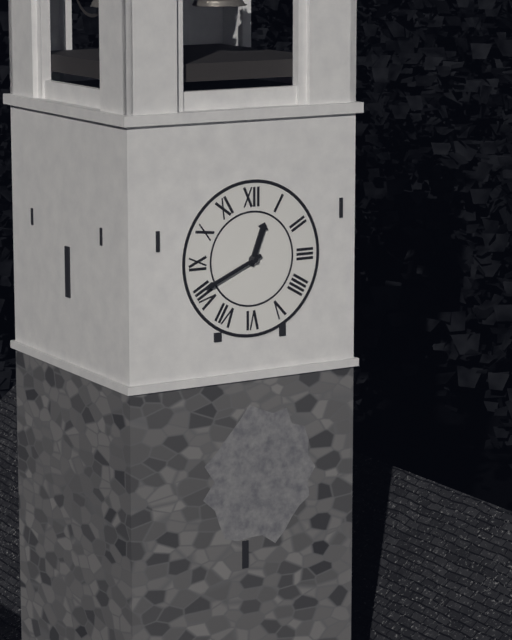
12:41
